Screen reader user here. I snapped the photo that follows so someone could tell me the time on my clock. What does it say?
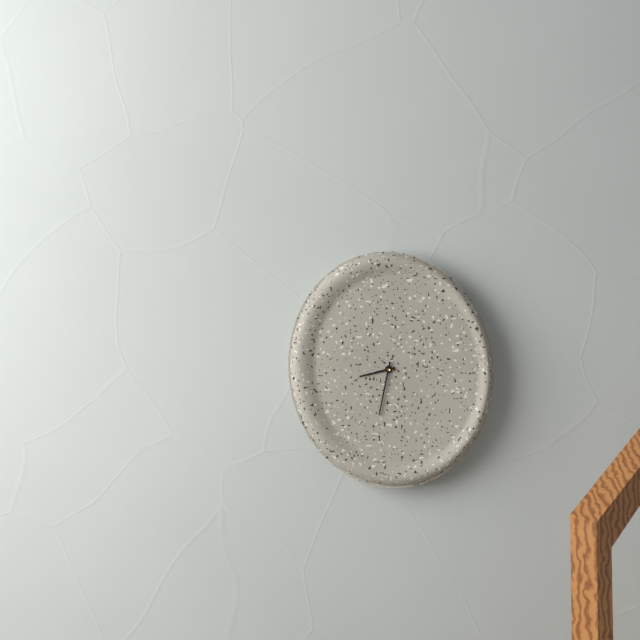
8:32
